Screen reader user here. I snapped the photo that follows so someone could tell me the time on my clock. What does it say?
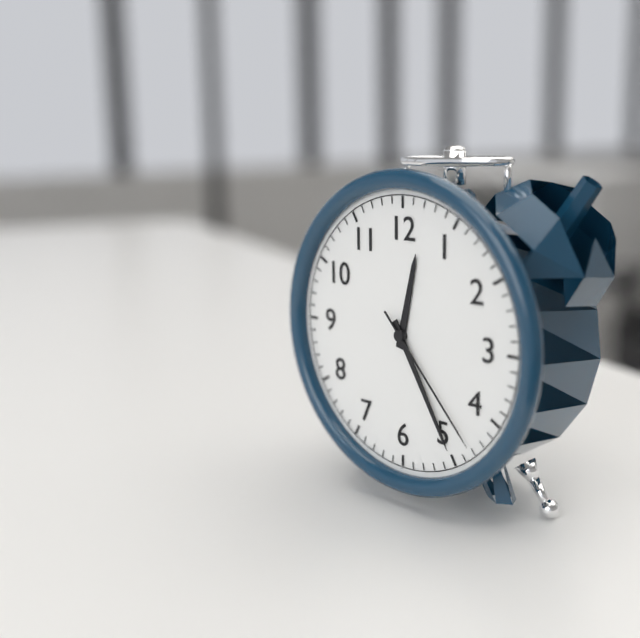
12:25:23
